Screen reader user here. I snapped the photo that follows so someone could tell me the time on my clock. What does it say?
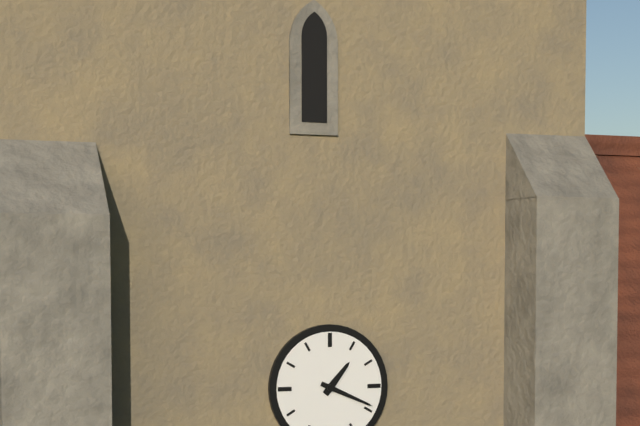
1:19
